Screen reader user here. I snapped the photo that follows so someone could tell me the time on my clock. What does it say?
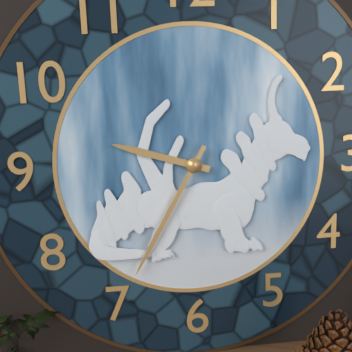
9:35
